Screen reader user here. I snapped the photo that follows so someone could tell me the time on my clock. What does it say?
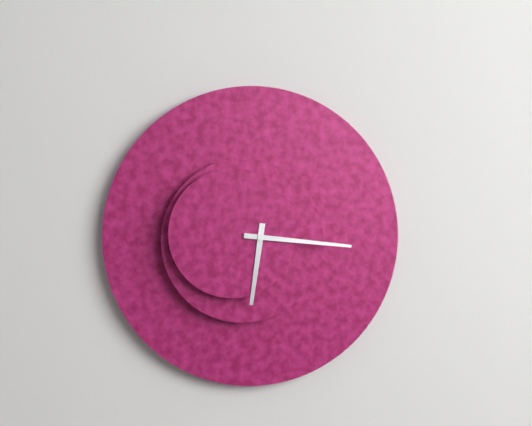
6:16
